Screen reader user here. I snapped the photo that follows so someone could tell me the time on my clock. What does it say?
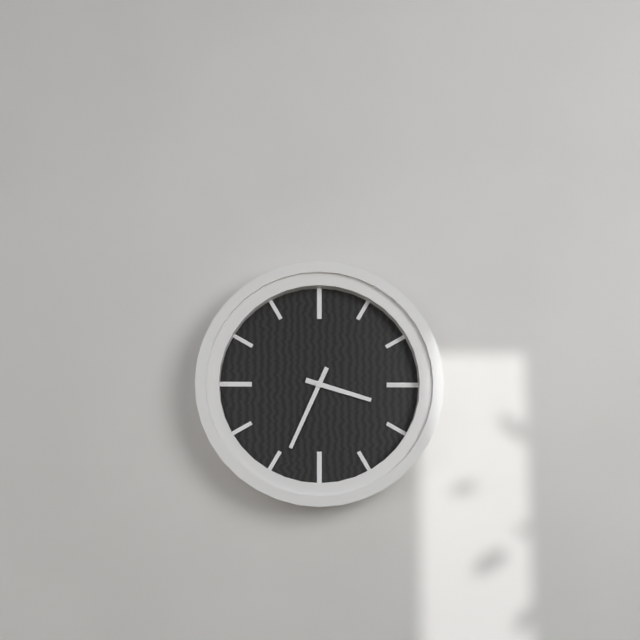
3:34
